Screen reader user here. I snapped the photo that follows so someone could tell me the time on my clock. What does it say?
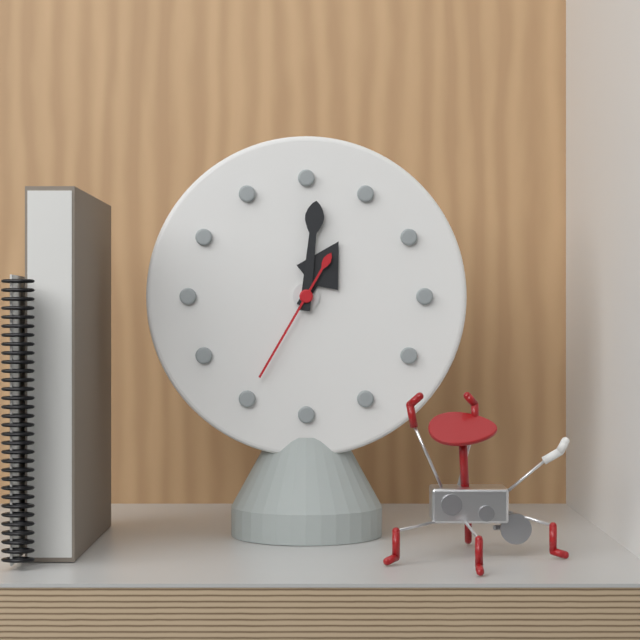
1:01:35
